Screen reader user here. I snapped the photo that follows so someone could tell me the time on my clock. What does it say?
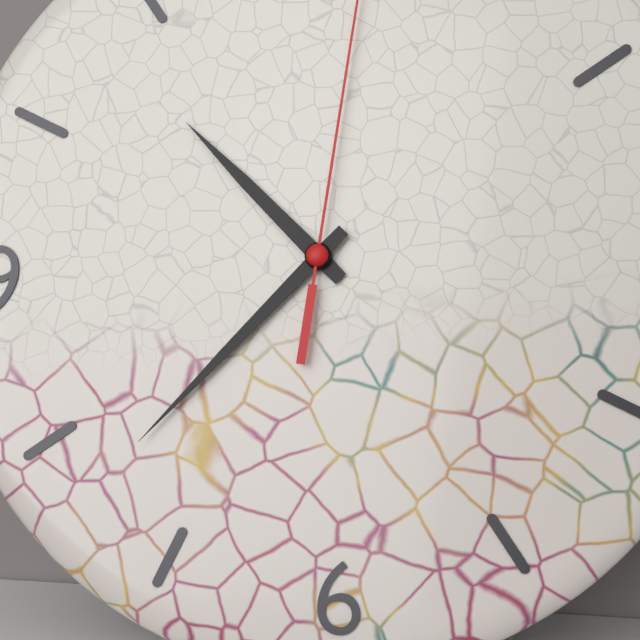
10:38
